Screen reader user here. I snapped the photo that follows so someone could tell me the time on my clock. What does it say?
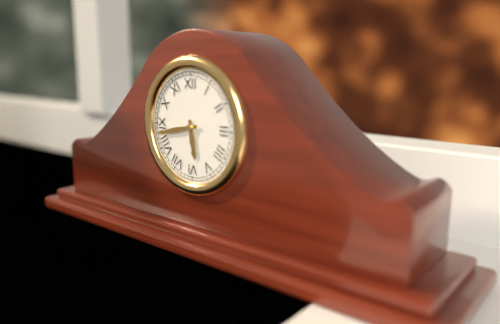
5:43
